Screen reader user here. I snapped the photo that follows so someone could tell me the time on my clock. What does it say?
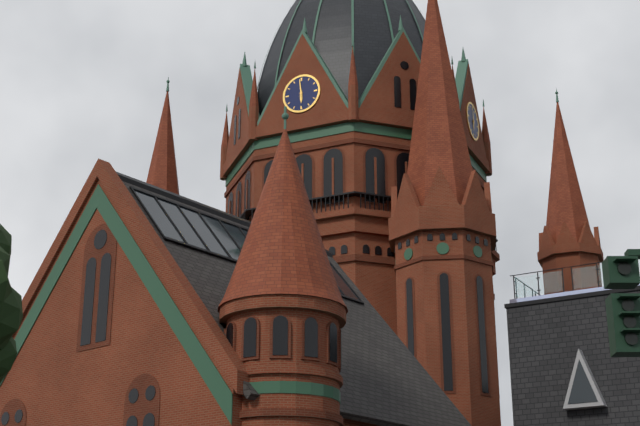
5:59
